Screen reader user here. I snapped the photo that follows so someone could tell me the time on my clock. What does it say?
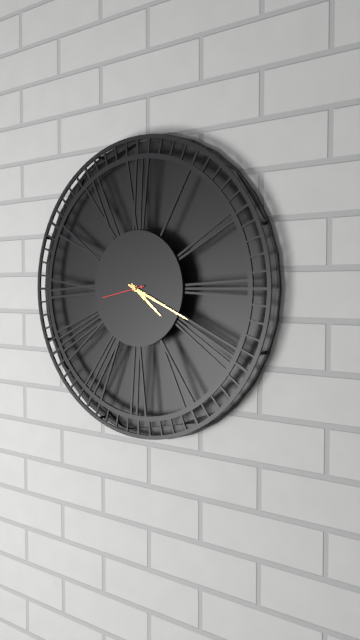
4:19:43
